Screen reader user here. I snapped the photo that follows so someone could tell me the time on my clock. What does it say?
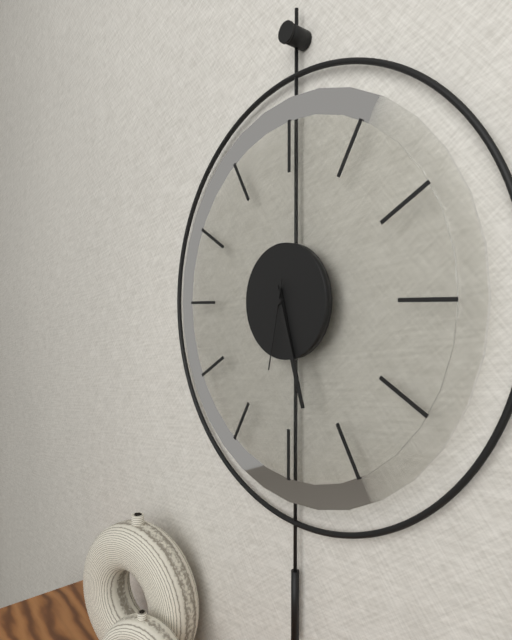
5:27:32
